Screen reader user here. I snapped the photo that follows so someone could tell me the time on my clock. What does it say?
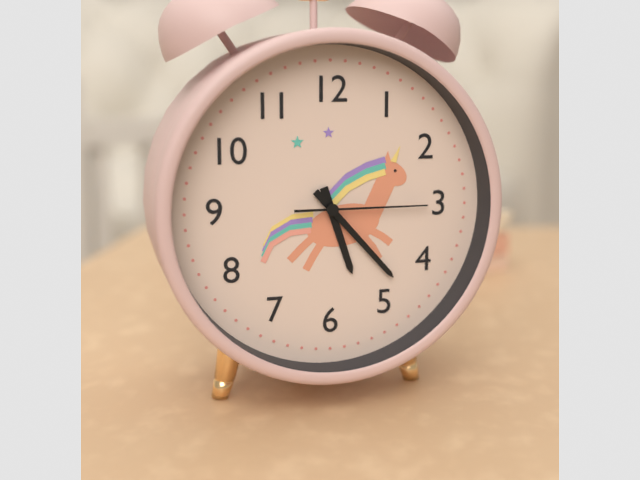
5:23:15
